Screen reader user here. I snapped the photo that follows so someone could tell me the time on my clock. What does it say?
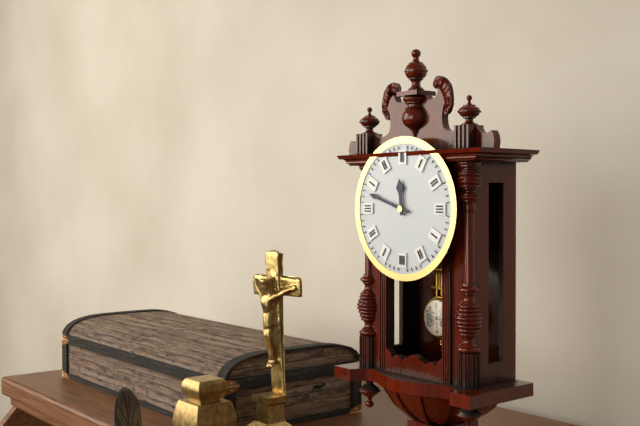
11:48
